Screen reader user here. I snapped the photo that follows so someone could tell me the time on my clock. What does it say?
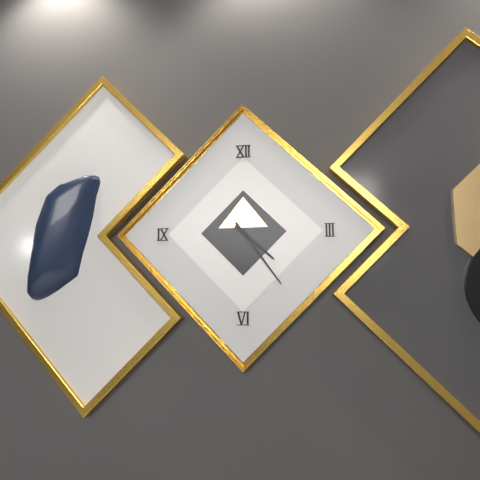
4:24
